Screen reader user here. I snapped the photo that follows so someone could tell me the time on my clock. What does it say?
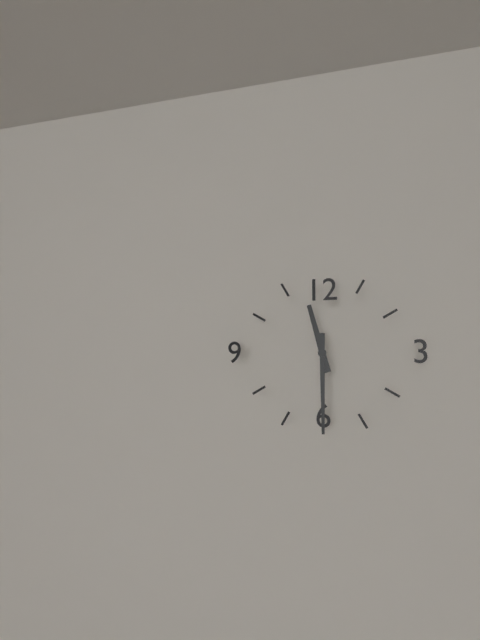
11:30
